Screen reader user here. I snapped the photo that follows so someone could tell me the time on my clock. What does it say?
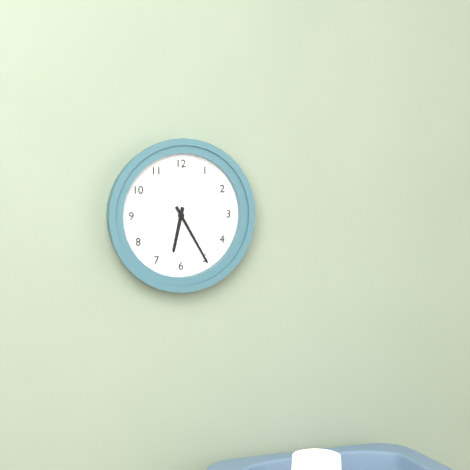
6:25
